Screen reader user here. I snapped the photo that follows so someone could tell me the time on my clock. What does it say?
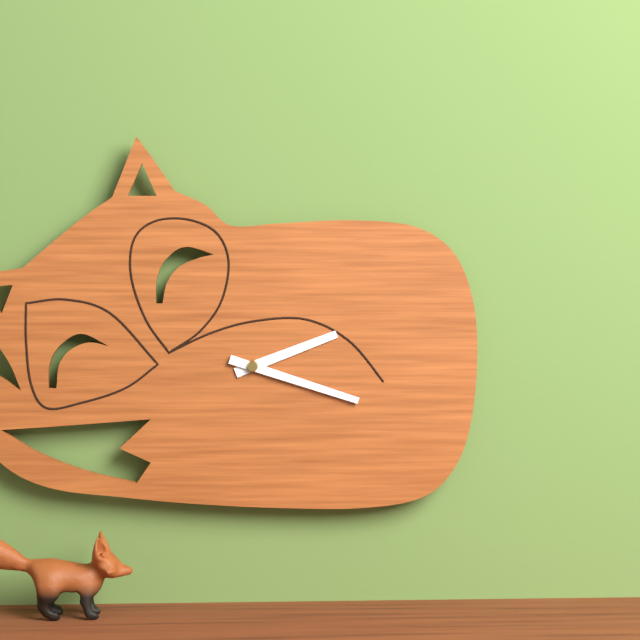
2:18
